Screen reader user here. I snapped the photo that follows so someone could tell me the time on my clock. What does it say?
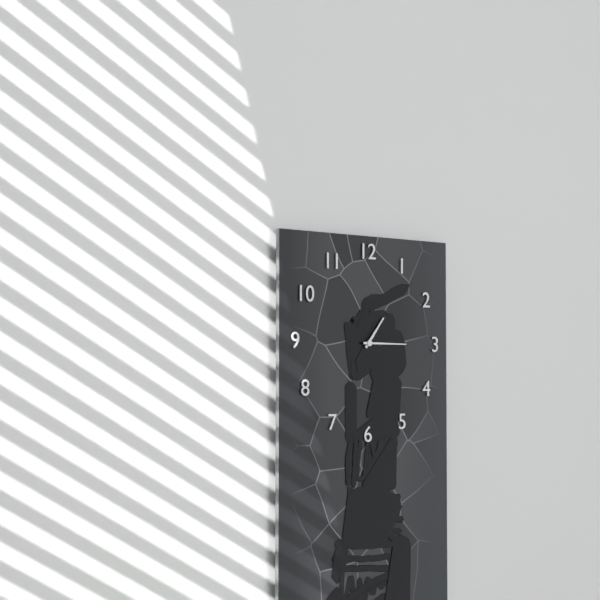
1:15
